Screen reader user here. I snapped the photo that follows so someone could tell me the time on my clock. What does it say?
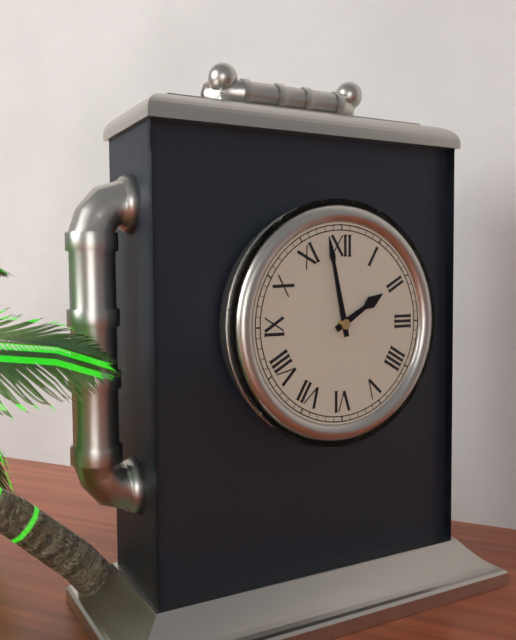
1:58
